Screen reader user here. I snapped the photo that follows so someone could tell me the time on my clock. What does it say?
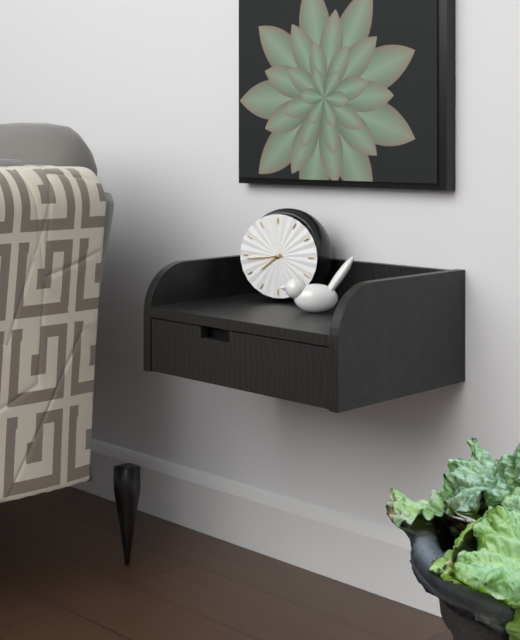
7:44
